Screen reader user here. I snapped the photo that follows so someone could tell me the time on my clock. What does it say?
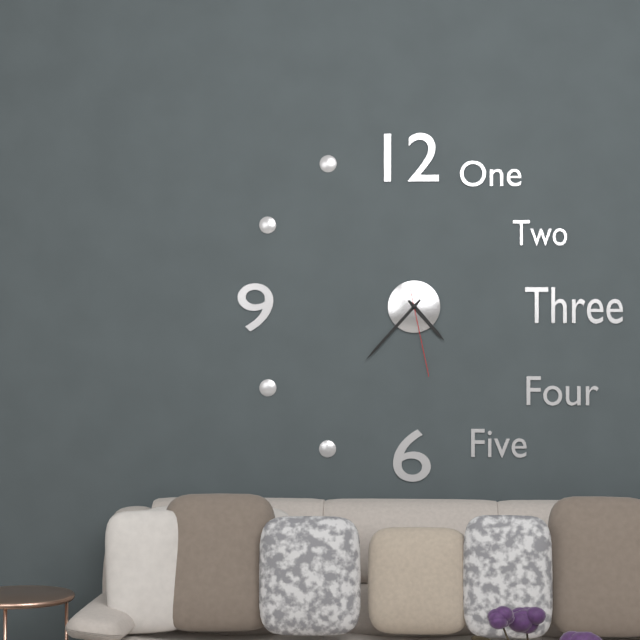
4:37:28
